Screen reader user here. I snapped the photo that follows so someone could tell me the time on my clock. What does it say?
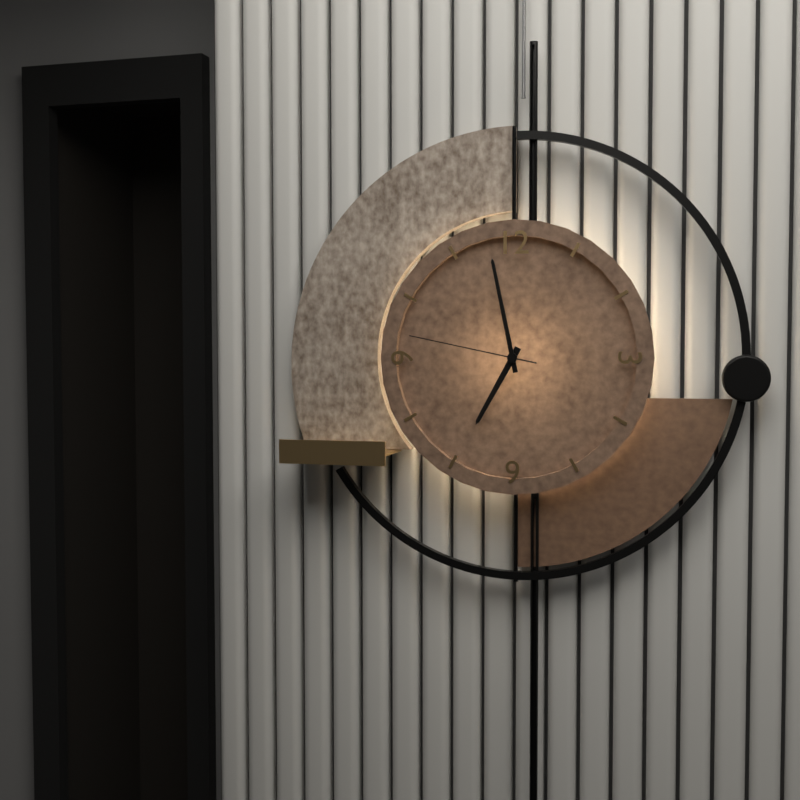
6:58:47
